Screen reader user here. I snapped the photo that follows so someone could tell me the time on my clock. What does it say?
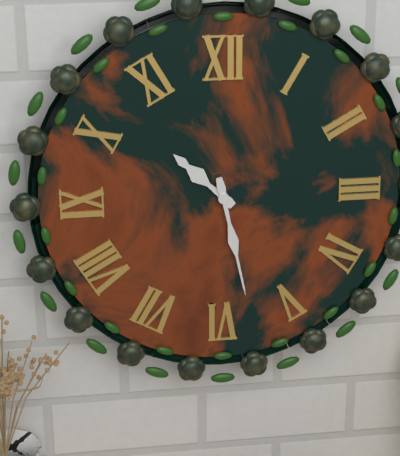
10:28
